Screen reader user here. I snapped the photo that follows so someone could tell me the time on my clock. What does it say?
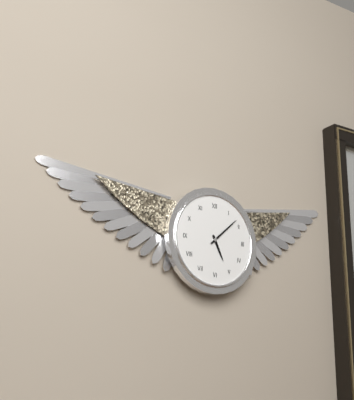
5:08
